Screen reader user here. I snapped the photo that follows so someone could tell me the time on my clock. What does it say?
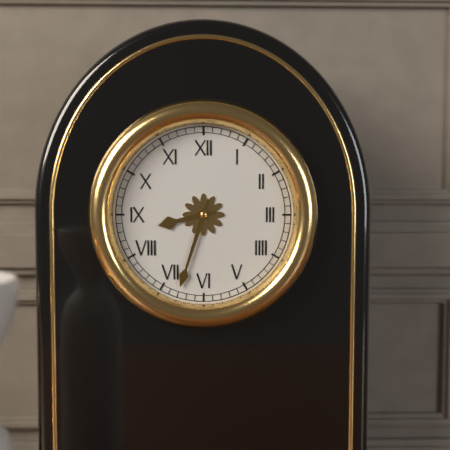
8:33
